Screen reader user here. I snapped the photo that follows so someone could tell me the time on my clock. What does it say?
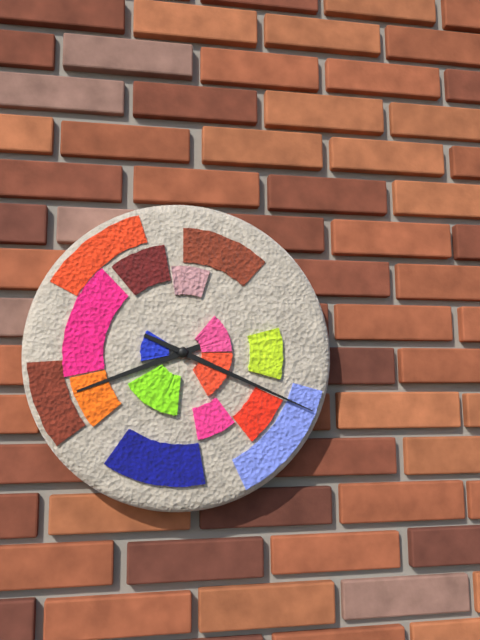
8:19
